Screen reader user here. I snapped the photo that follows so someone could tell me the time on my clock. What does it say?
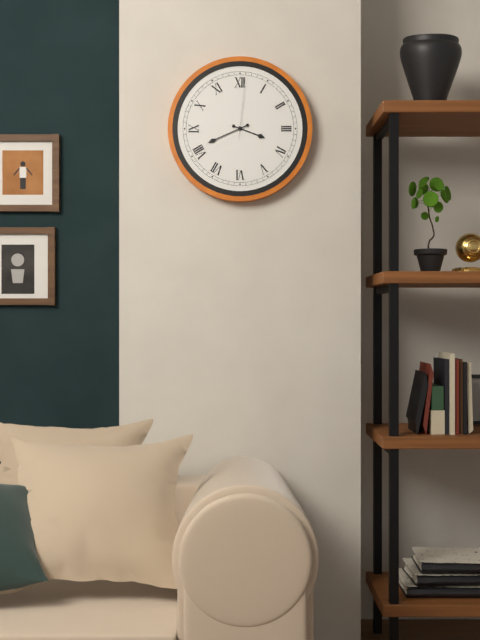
3:41:01
